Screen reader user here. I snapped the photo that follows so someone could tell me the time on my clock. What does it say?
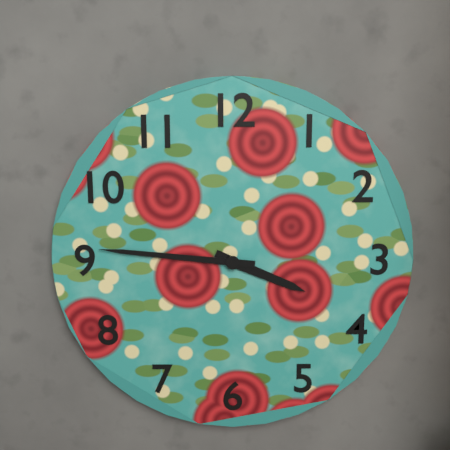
3:46
